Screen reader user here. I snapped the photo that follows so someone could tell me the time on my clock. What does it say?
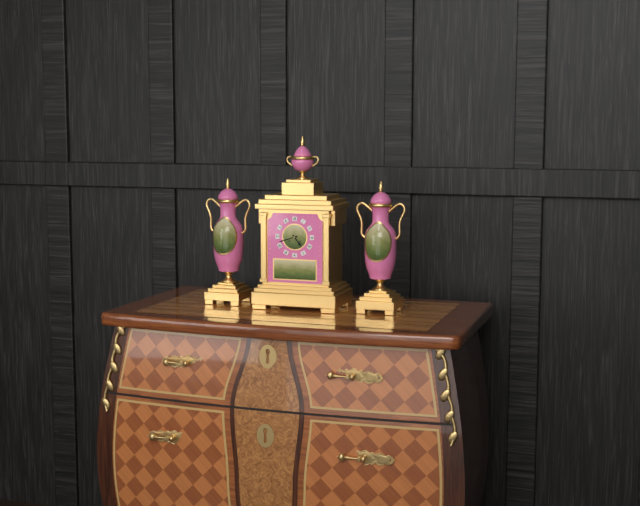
4:42
